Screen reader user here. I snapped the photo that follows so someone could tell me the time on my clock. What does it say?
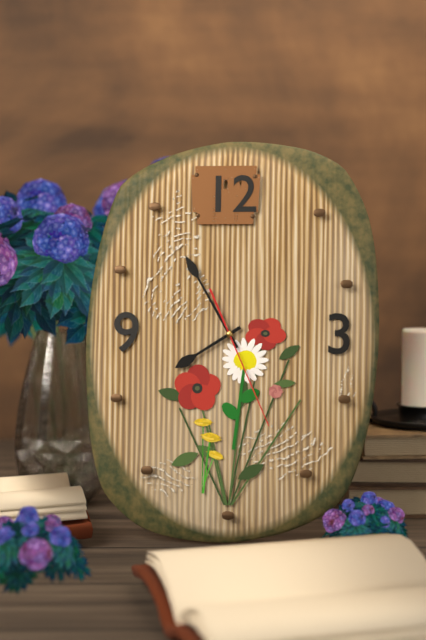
7:55:26
